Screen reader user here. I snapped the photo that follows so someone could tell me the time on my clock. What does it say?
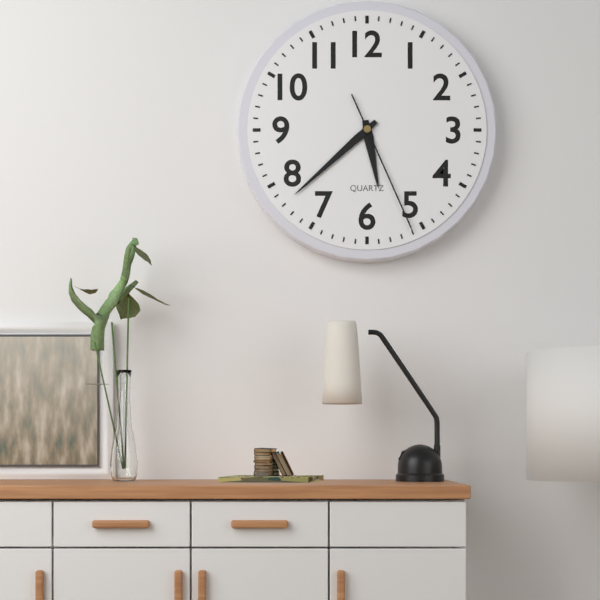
5:38:26
